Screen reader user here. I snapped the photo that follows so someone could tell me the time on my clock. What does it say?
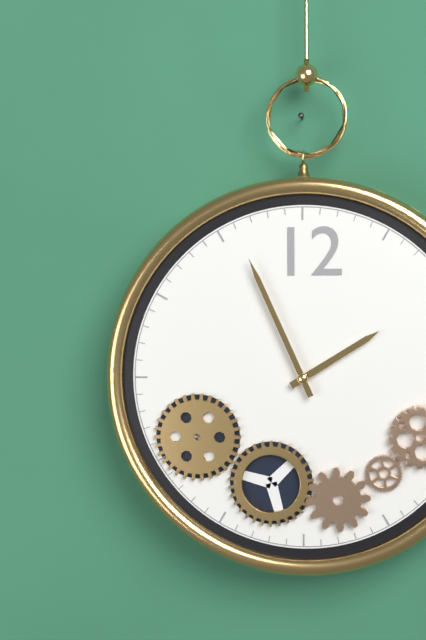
1:56
